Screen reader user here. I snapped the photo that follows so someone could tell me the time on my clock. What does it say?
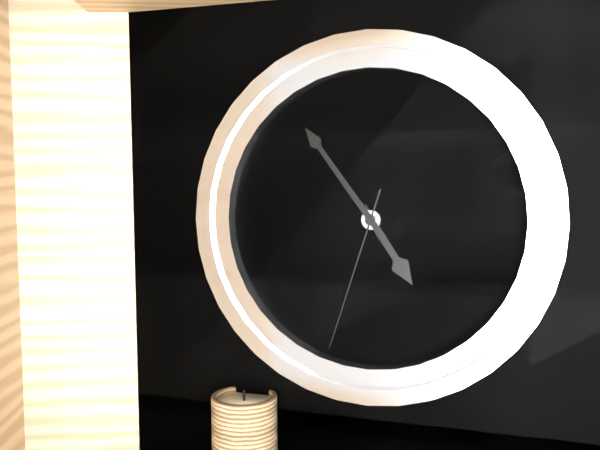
4:54:33
